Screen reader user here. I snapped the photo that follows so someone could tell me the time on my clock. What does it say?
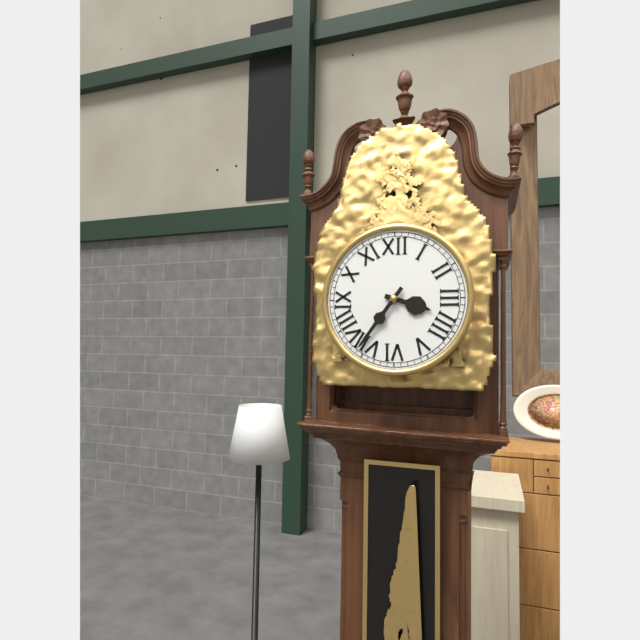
3:36
